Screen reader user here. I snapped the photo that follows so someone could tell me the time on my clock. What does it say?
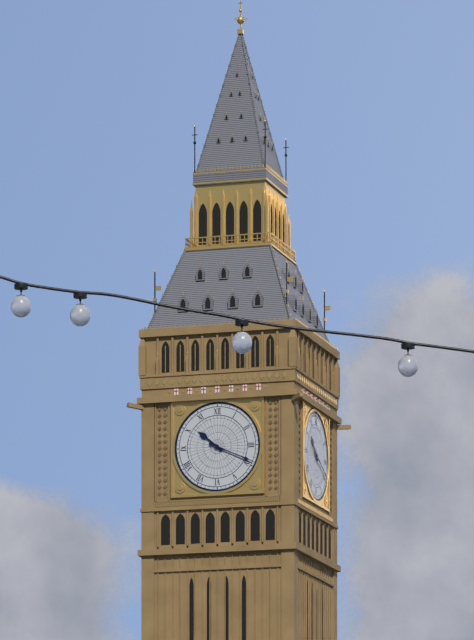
10:19
